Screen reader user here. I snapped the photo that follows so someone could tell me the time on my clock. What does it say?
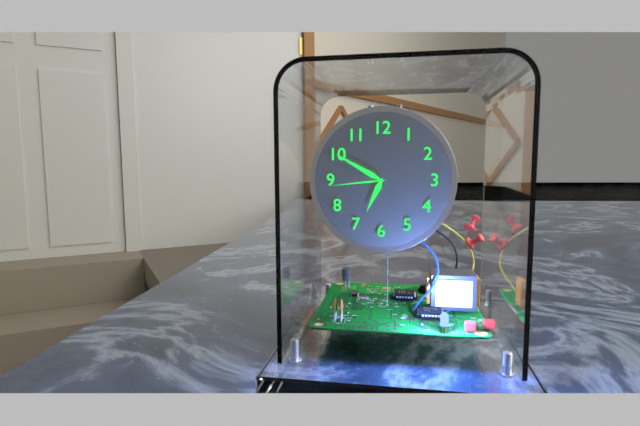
6:50:44
